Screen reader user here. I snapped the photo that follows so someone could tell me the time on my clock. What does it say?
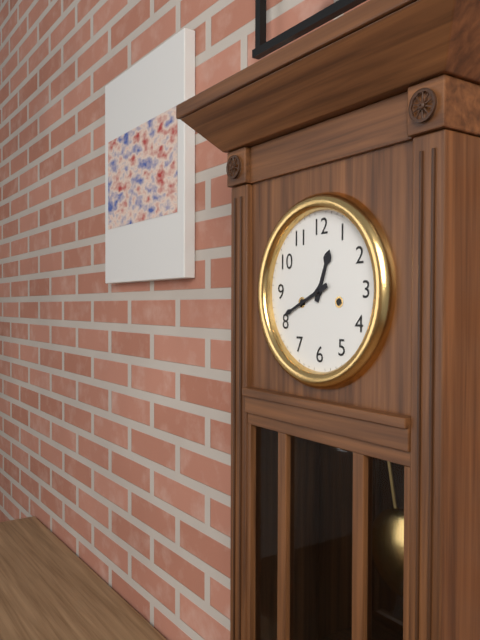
12:41
